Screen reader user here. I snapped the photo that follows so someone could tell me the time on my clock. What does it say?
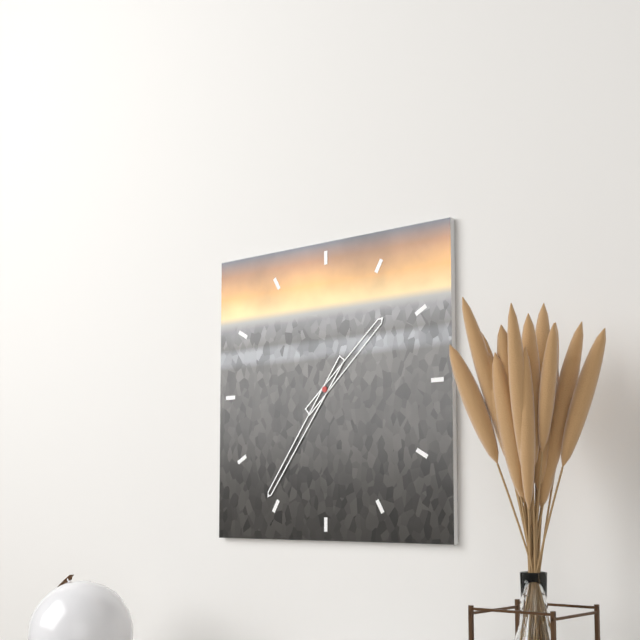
1:36
